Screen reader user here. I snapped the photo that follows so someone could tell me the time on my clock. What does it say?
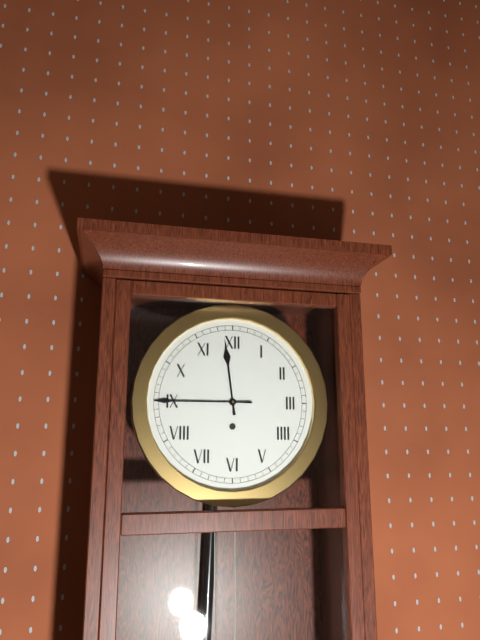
11:45
